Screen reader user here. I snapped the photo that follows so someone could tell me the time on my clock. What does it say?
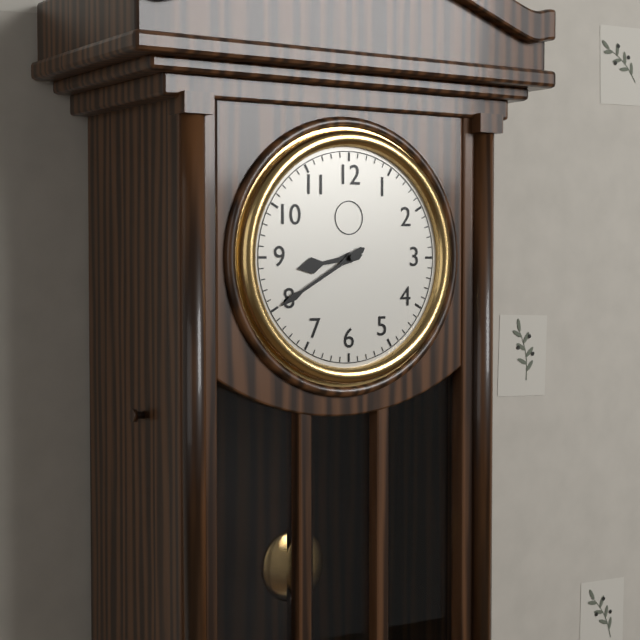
8:40
